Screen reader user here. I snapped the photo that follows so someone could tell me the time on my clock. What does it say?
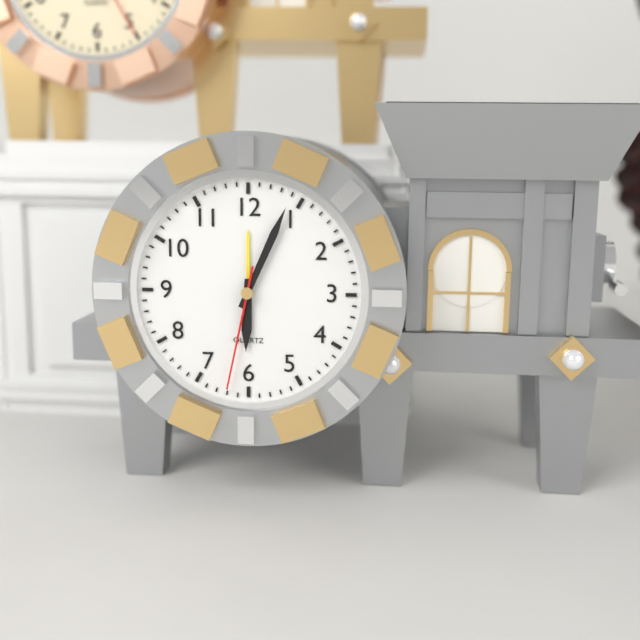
6:04:32
